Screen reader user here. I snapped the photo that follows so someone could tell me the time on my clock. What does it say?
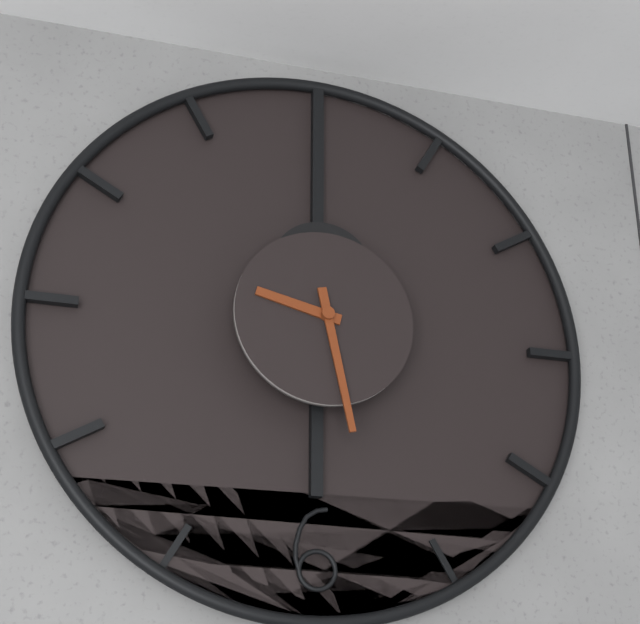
9:28
